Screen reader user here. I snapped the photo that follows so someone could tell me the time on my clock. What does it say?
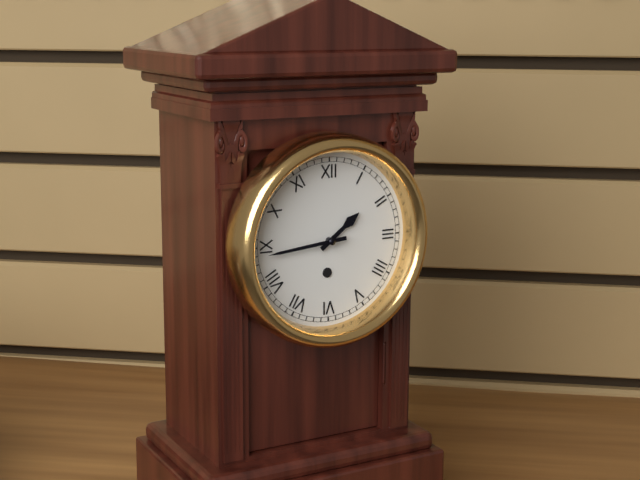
1:44
